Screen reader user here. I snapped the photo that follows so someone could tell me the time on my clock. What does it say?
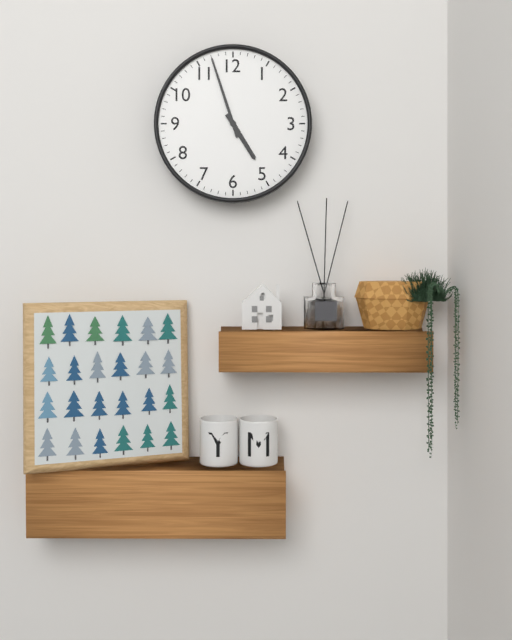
4:57
